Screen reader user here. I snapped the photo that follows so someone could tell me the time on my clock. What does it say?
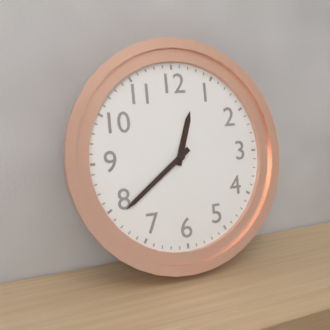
12:39
